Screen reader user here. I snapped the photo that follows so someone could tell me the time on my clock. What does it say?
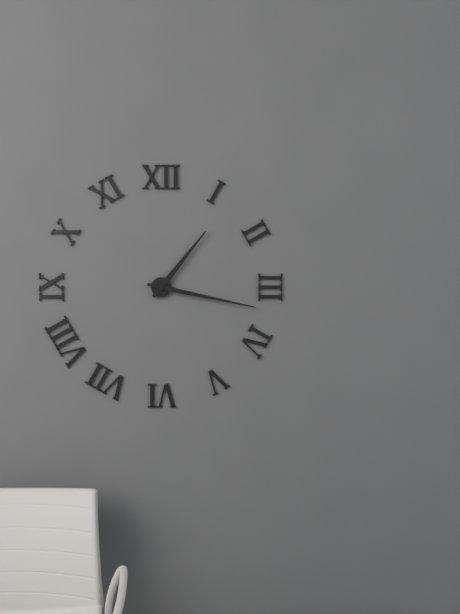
1:17
